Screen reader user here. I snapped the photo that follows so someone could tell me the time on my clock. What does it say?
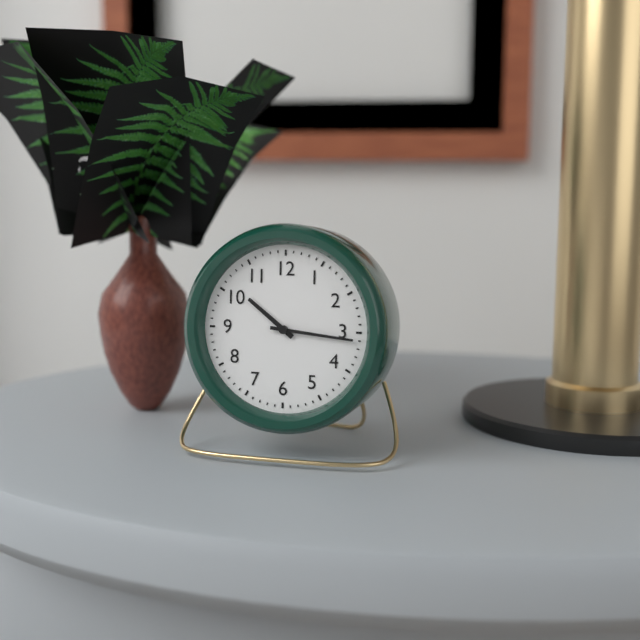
10:16
